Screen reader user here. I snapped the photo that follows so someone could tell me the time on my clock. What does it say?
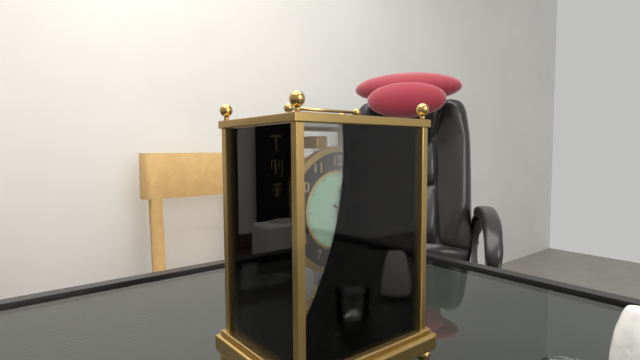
12:22
